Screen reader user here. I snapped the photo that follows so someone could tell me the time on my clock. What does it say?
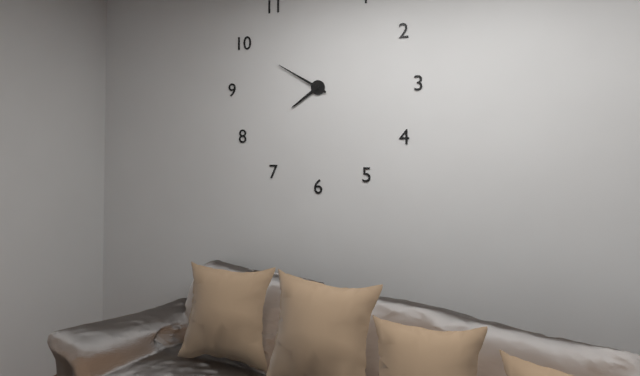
7:50
